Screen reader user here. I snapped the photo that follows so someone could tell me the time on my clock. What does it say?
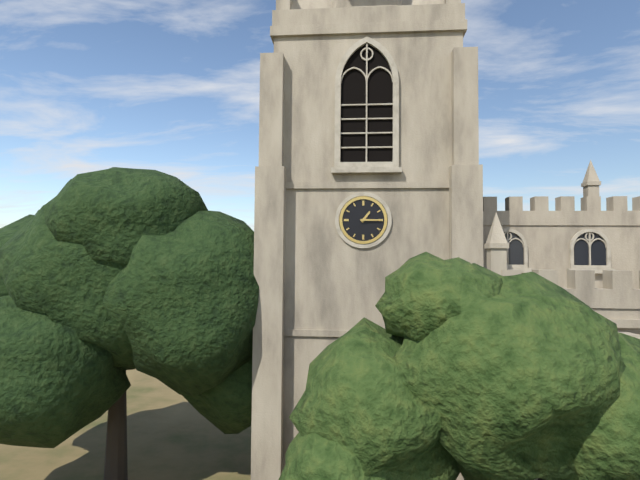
1:15
